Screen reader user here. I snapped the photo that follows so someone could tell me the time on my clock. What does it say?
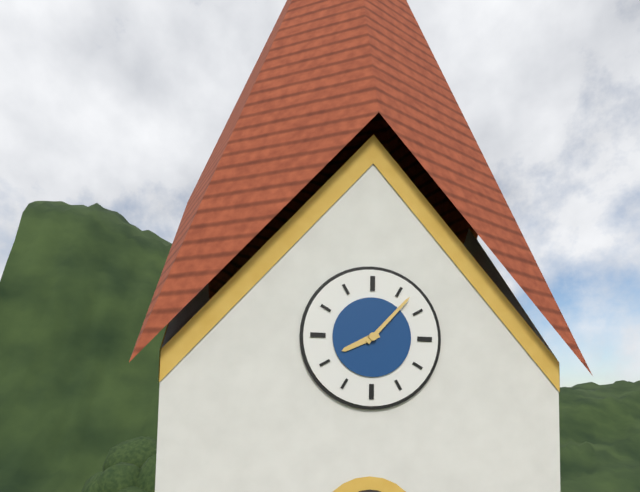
8:07
